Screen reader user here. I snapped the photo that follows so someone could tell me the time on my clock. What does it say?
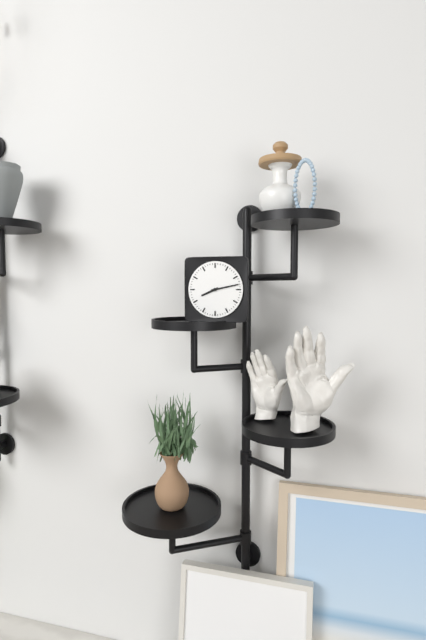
8:13
